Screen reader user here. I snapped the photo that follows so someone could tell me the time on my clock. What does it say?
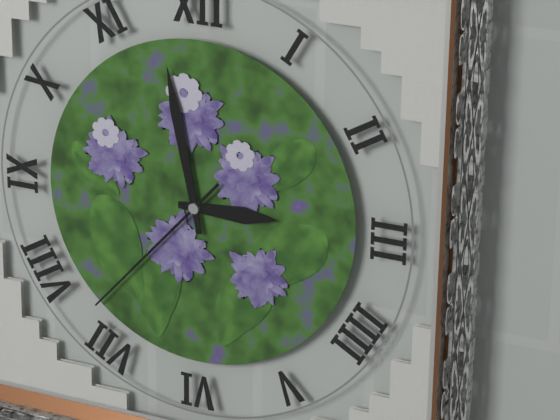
2:58:37
